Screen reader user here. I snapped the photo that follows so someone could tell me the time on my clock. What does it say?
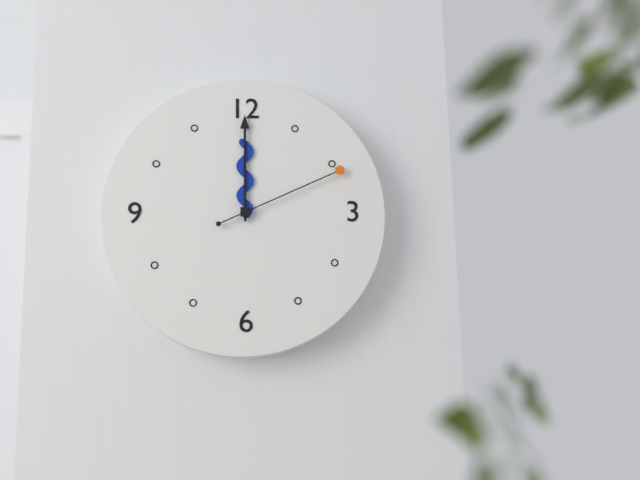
12:00:11
